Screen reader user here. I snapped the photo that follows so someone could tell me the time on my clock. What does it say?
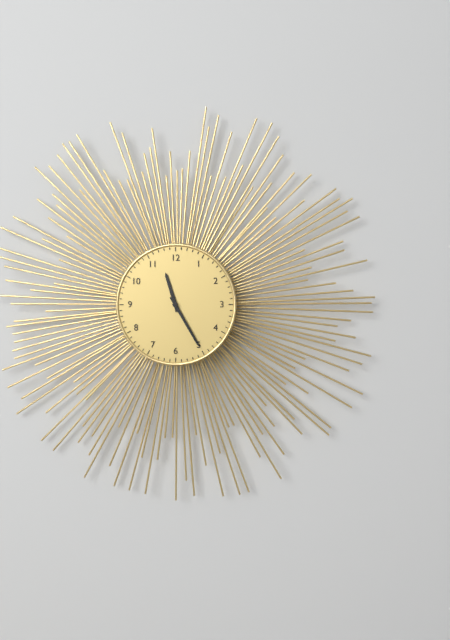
11:25
